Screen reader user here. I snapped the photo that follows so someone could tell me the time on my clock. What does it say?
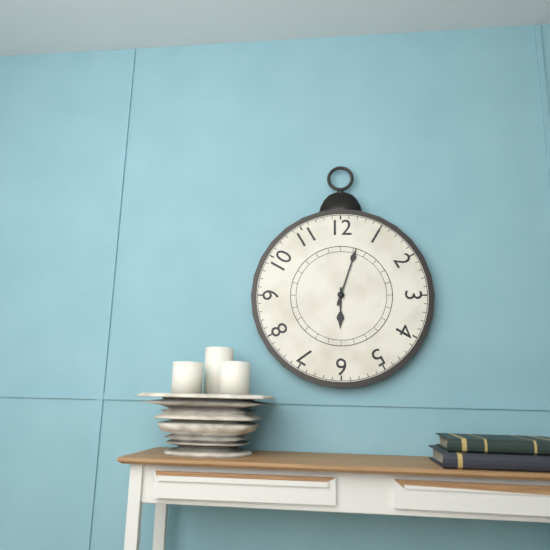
6:03
